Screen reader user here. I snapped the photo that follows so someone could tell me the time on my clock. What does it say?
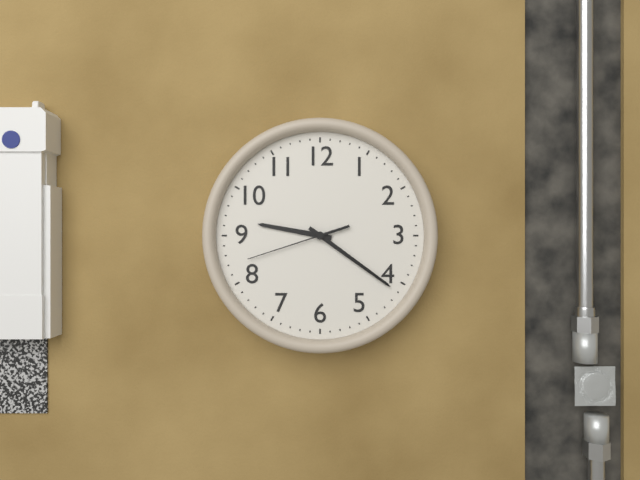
9:21:42
